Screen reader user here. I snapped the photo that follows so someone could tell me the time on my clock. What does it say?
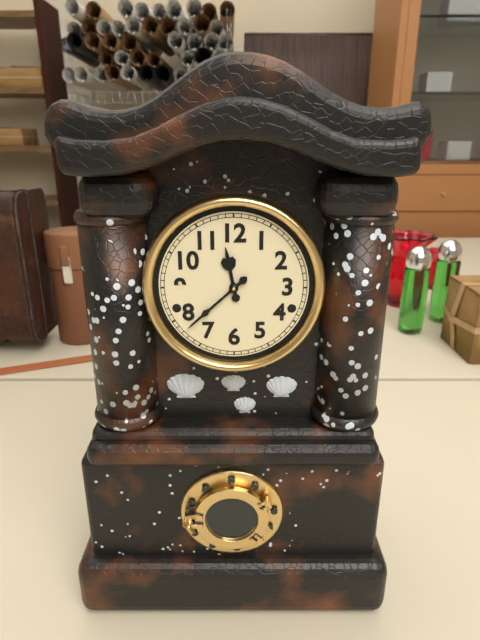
11:38
